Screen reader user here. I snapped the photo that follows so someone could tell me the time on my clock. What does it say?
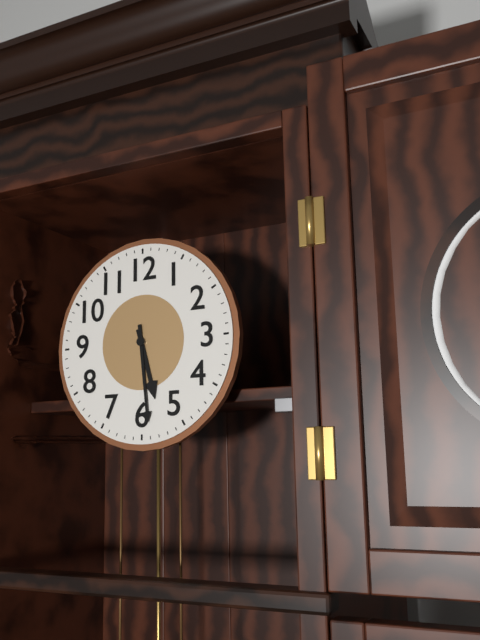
5:29
